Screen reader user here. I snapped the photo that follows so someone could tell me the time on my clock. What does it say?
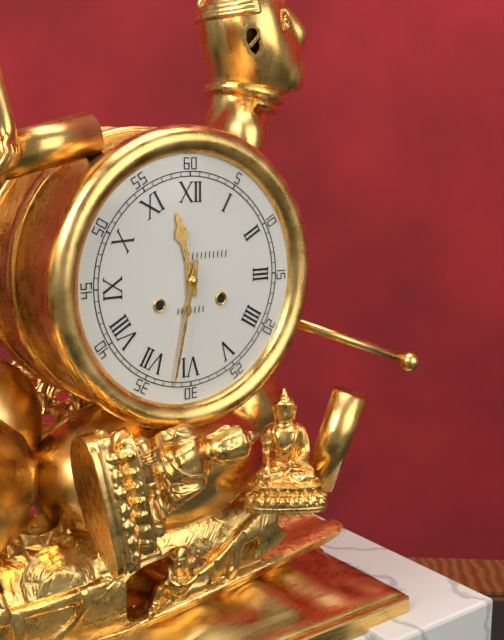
11:32
